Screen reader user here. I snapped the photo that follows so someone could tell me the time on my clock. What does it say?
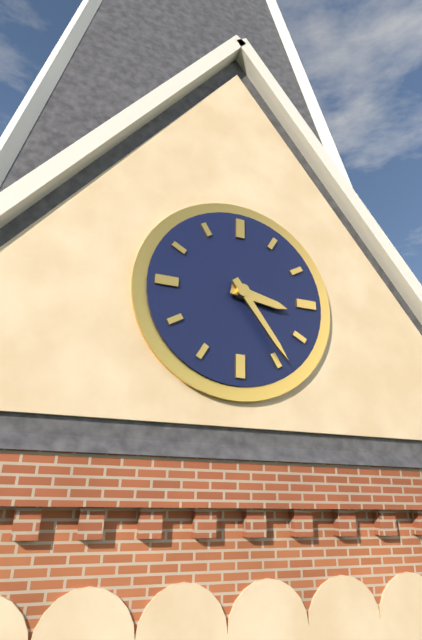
3:24
